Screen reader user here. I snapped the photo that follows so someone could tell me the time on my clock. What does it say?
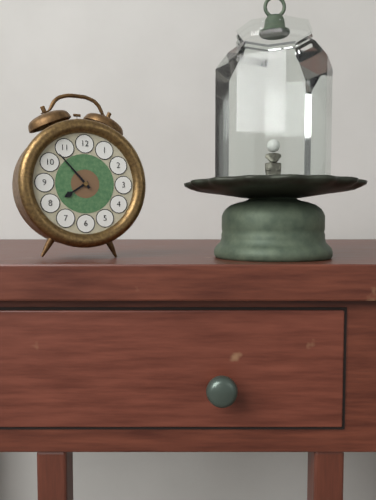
7:53
